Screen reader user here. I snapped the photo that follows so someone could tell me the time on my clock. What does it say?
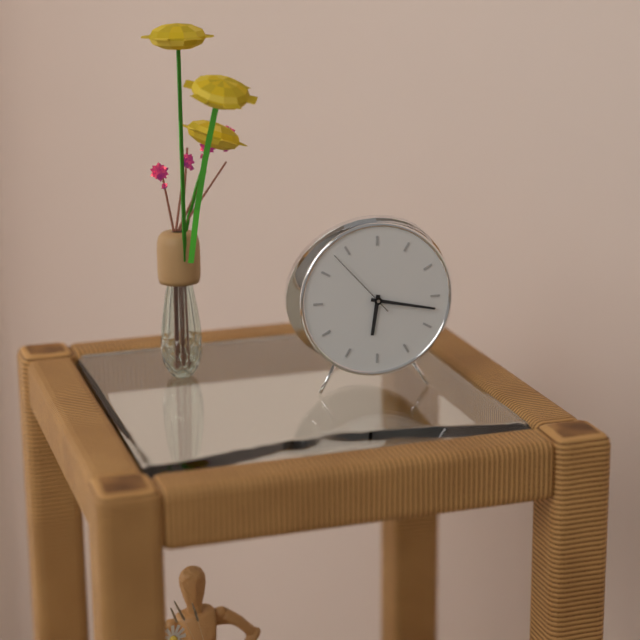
6:17:53
